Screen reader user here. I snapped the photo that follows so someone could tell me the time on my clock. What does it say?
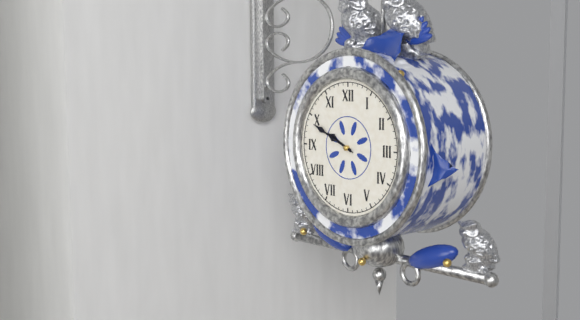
9:49
